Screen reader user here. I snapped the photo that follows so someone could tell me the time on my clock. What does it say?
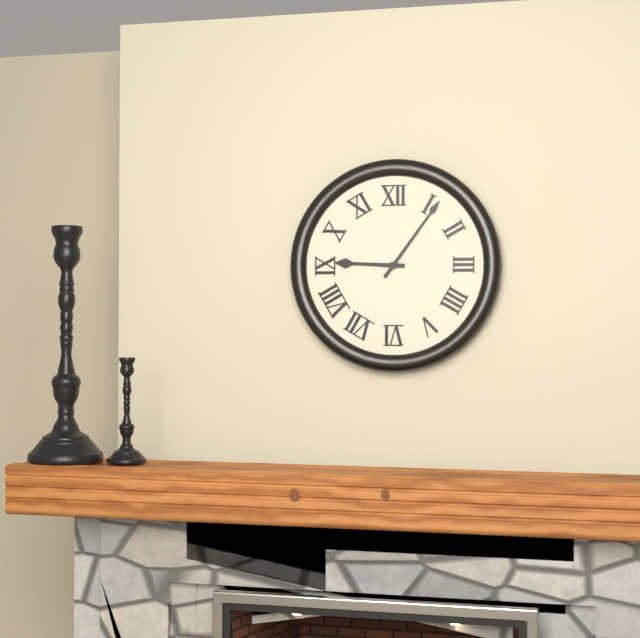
9:06
